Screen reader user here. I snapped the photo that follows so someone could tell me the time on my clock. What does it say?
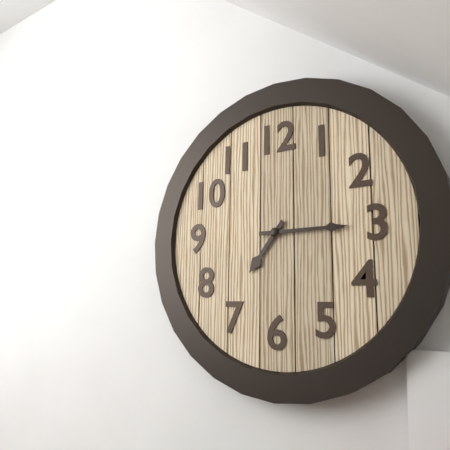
7:15
